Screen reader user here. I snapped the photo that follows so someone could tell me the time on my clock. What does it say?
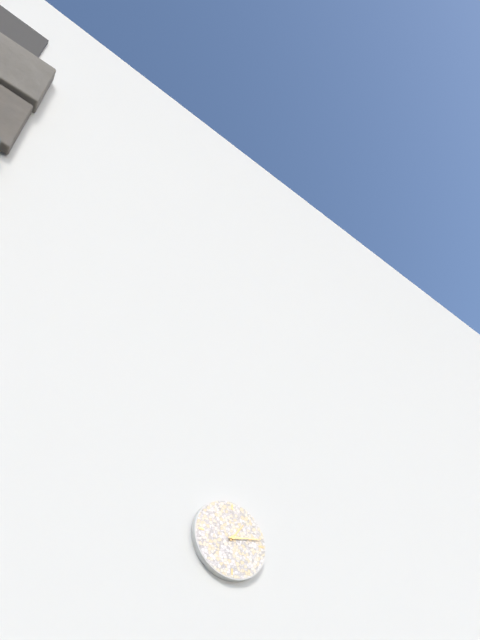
1:13
